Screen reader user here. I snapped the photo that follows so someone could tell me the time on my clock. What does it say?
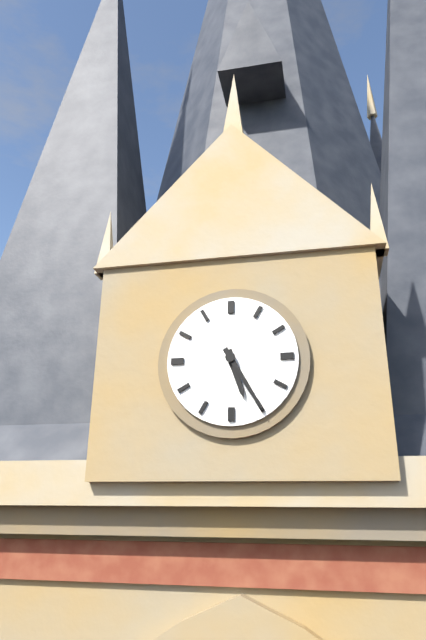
5:25
